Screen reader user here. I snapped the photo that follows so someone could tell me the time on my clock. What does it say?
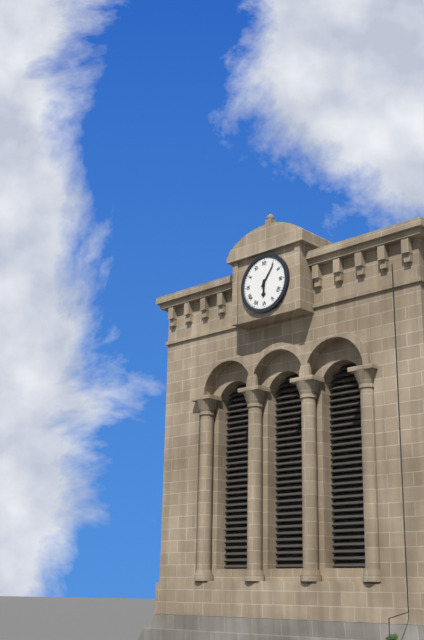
6:06
